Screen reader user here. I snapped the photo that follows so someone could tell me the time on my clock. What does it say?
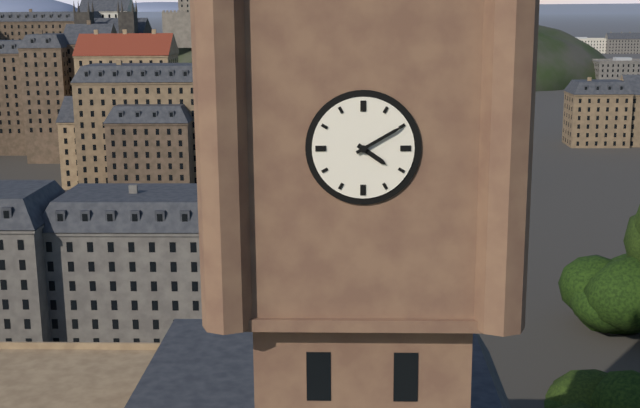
4:10
